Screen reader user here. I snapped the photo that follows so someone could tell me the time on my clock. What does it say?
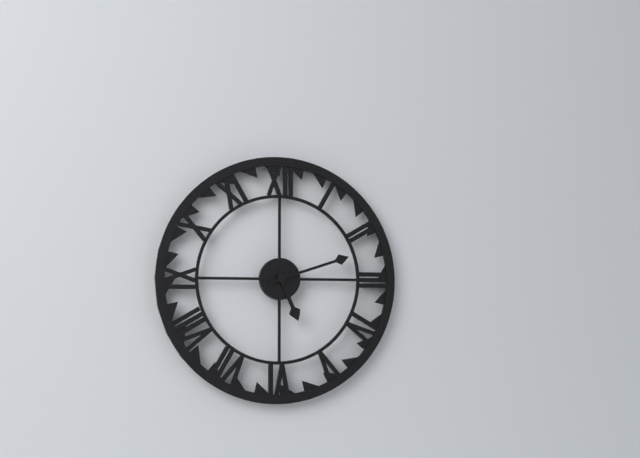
5:12
